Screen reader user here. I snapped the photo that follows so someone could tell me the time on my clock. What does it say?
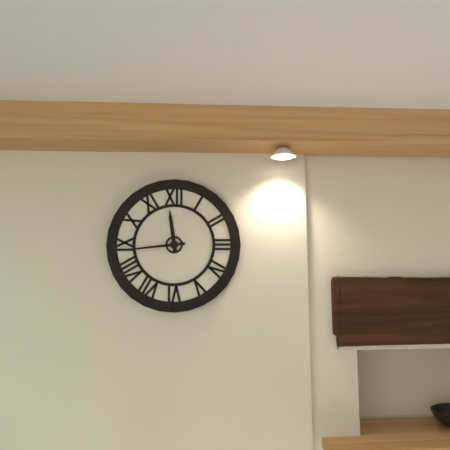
11:44
